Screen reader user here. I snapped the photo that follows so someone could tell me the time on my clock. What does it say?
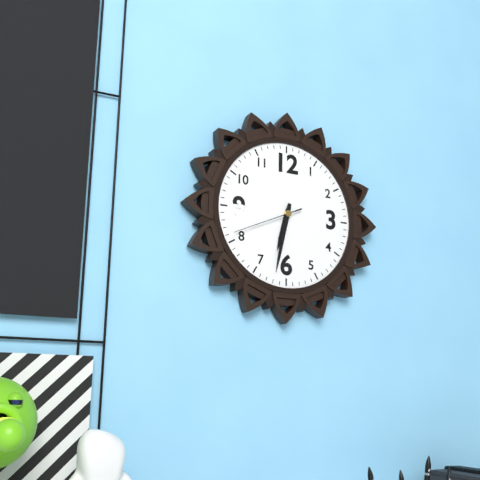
6:32:41
